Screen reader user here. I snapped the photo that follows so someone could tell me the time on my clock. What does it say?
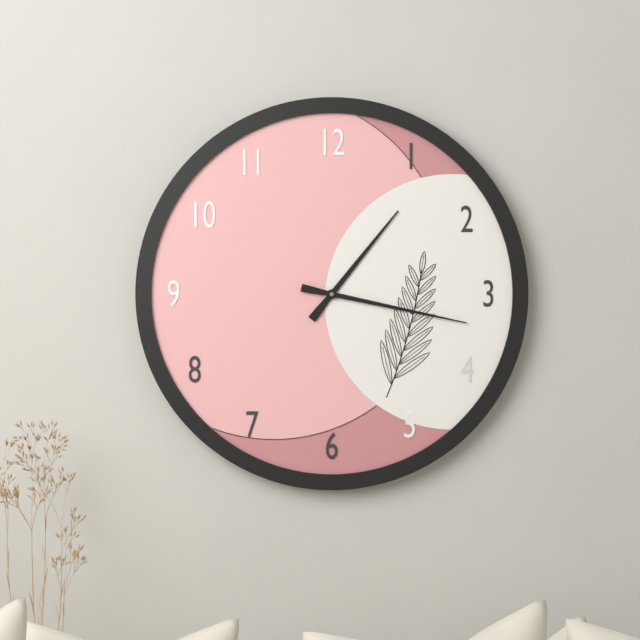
1:17
